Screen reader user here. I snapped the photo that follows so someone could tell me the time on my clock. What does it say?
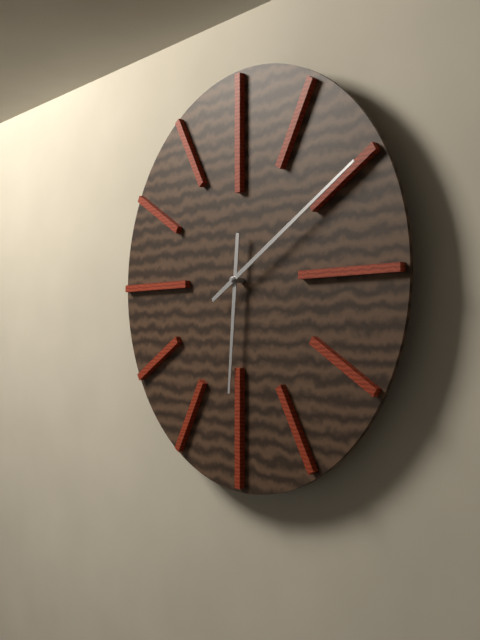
6:10
